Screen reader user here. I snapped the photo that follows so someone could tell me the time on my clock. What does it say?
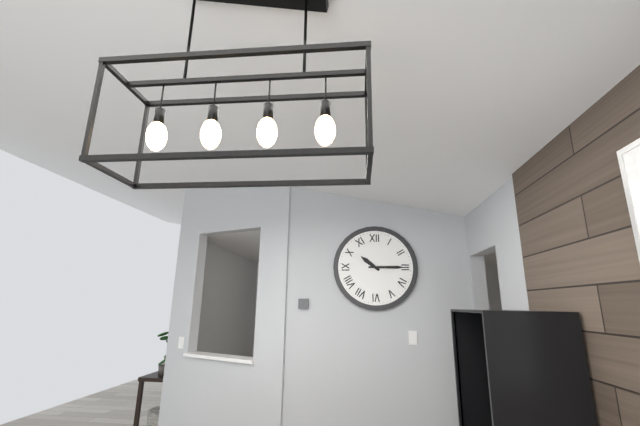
10:15
